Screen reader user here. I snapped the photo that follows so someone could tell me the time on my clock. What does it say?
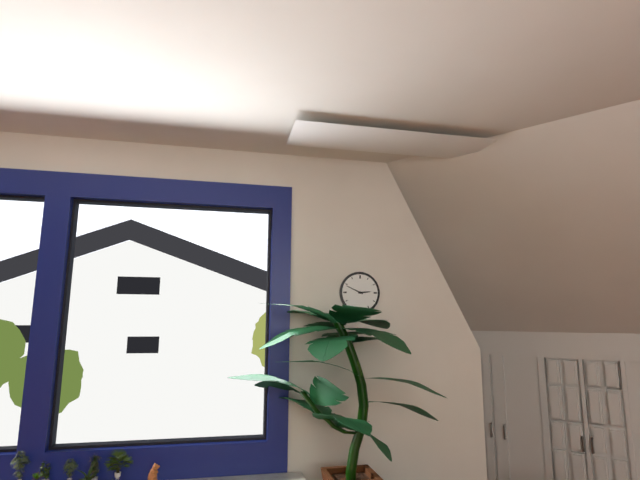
2:49
